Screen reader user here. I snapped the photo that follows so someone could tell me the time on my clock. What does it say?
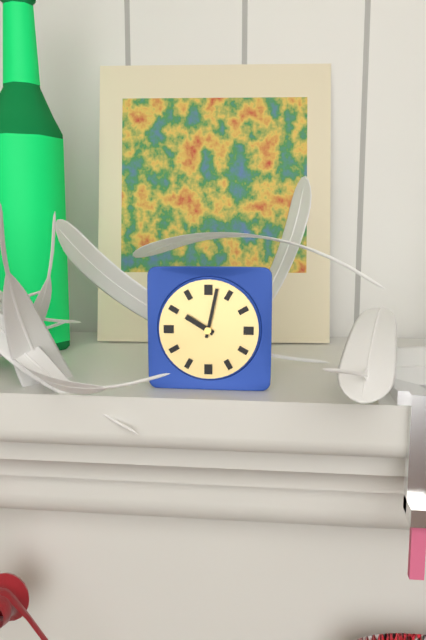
10:02
